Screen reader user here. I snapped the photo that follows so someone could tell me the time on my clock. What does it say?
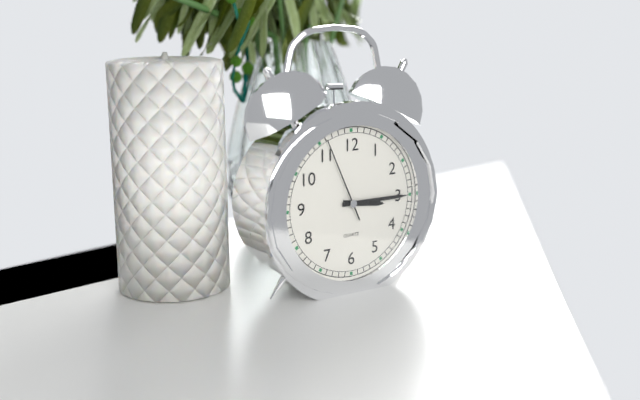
3:15:56
